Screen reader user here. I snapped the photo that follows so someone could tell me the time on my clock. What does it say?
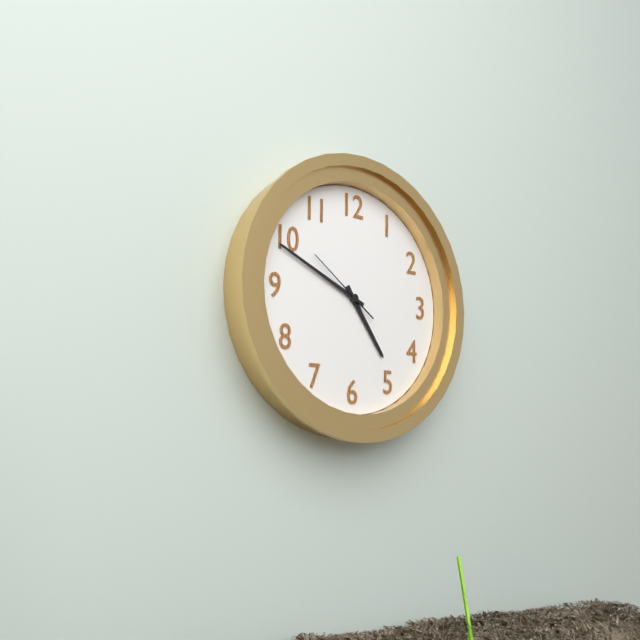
4:49:51
